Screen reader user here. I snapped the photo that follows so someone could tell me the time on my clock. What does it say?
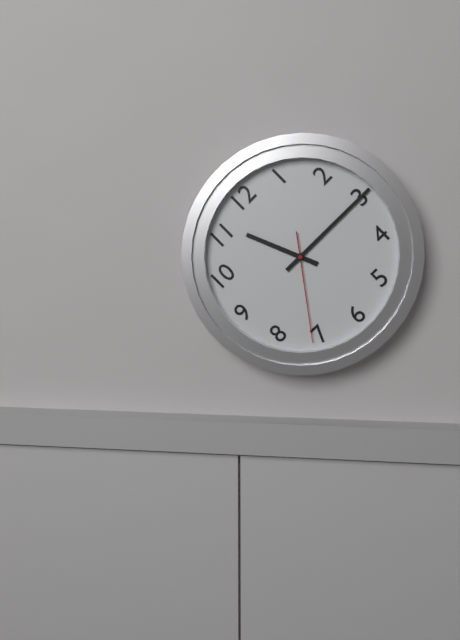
11:15:36
